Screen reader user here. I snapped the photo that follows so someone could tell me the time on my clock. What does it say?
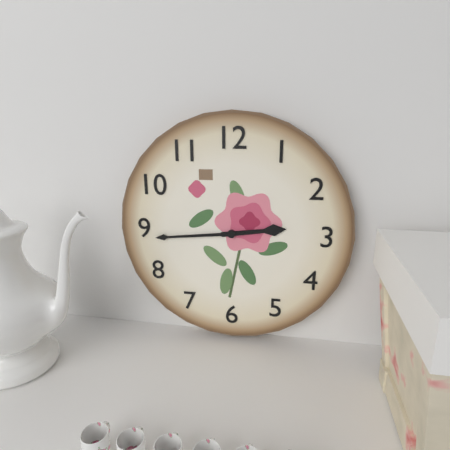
2:44
